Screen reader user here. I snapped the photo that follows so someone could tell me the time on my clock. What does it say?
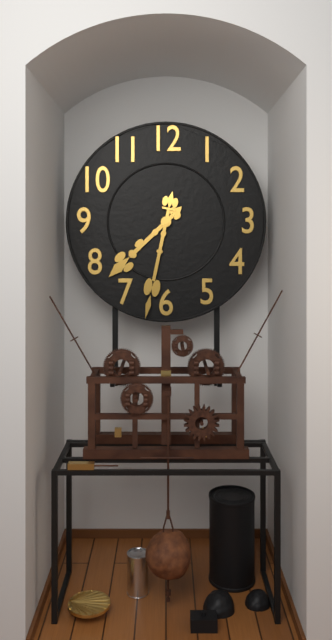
7:32
